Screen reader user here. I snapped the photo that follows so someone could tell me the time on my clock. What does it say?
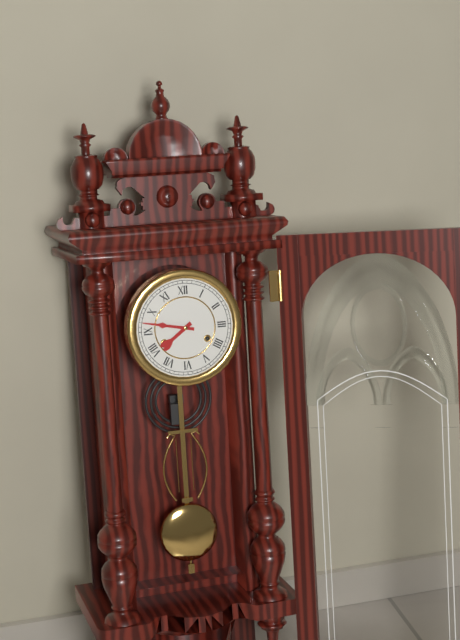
7:47
